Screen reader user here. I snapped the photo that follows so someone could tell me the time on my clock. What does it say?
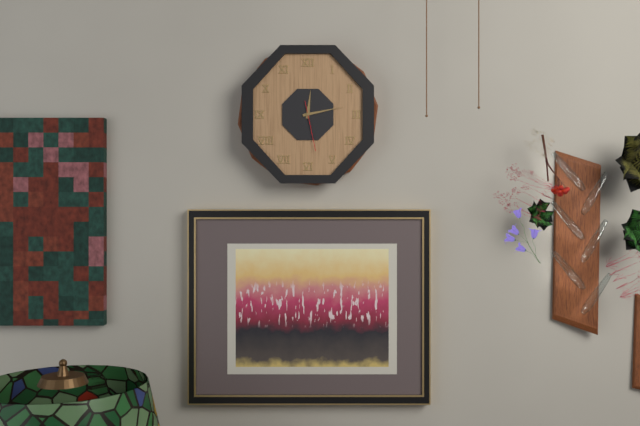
12:13
